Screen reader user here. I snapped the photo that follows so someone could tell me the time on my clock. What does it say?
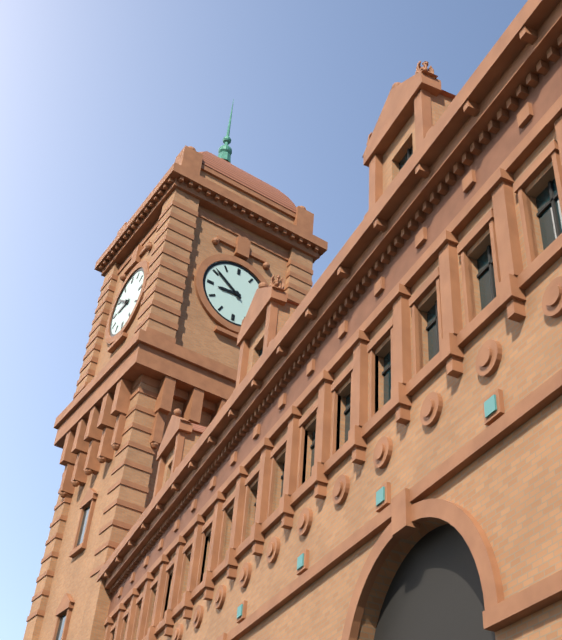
8:51
